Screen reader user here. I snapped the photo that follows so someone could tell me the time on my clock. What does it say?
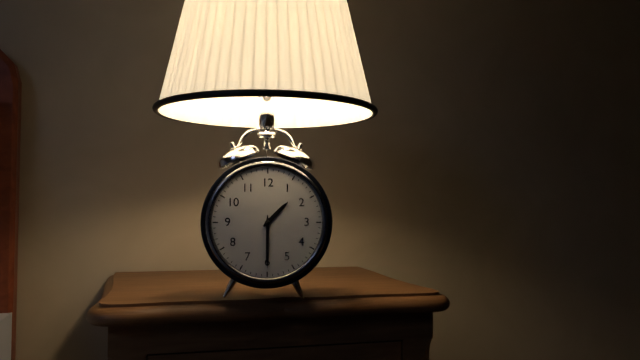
1:30
